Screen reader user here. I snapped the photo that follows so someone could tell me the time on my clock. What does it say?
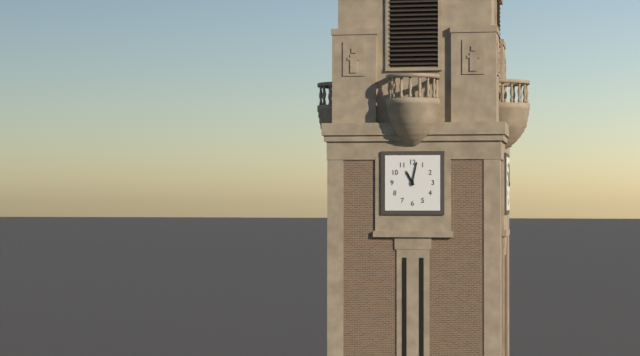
11:02
